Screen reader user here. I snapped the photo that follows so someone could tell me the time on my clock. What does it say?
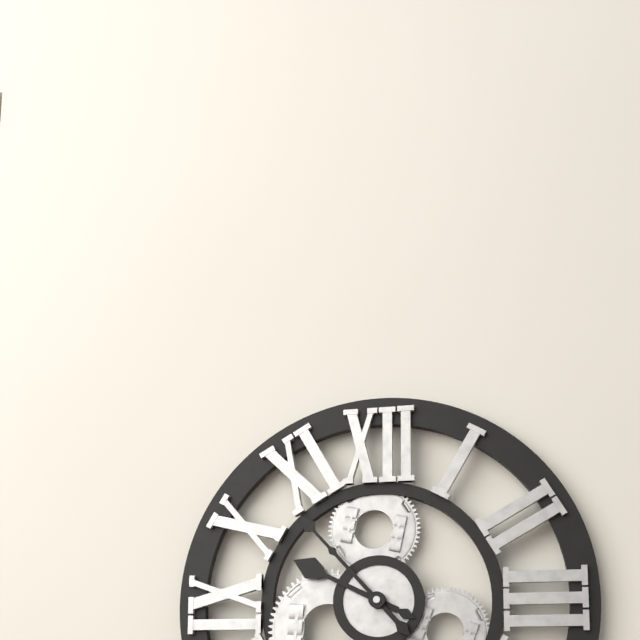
9:53
